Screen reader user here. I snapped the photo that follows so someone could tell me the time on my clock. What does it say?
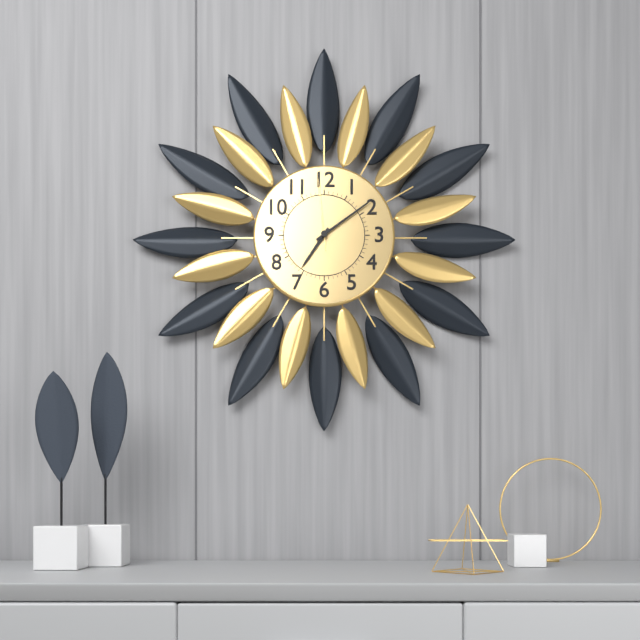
7:09:59
